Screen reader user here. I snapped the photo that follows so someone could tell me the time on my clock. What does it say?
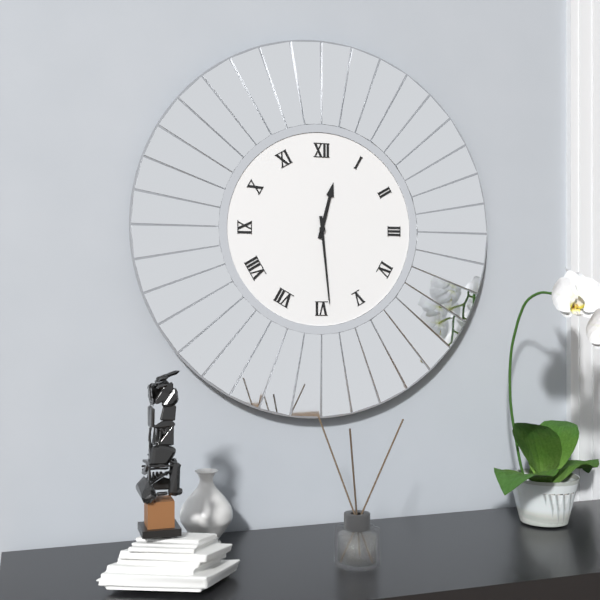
12:29
